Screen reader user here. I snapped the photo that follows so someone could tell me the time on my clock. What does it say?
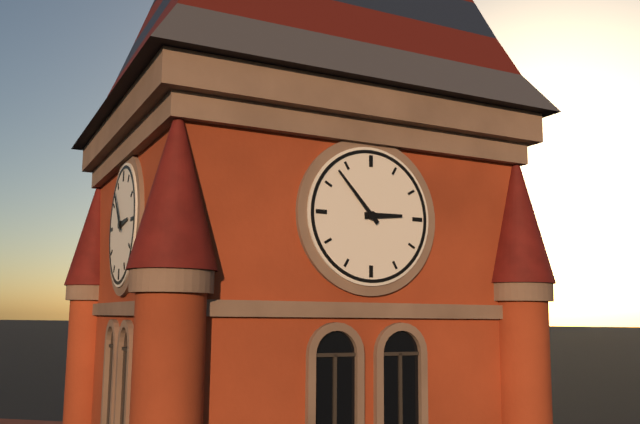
2:53
